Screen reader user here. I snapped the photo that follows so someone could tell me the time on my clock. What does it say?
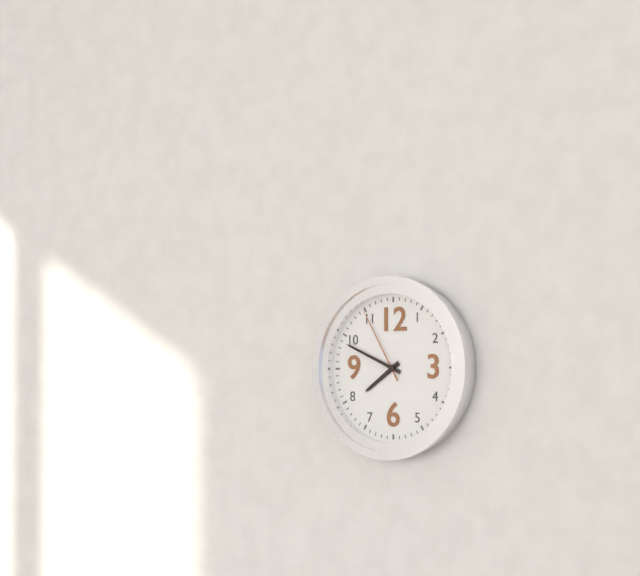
7:49:55
